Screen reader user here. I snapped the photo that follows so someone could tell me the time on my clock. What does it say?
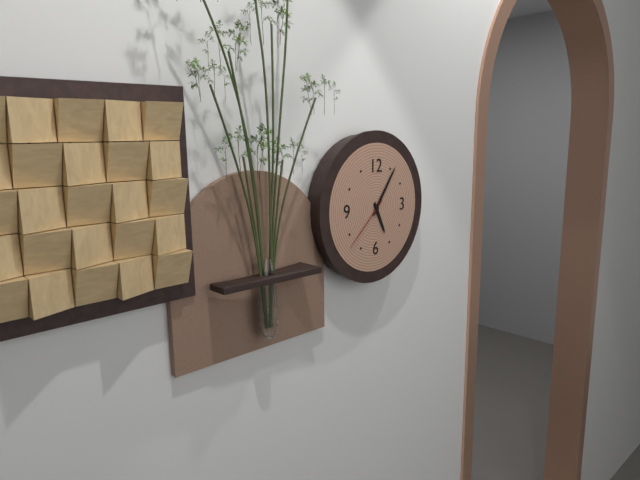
5:06:38
